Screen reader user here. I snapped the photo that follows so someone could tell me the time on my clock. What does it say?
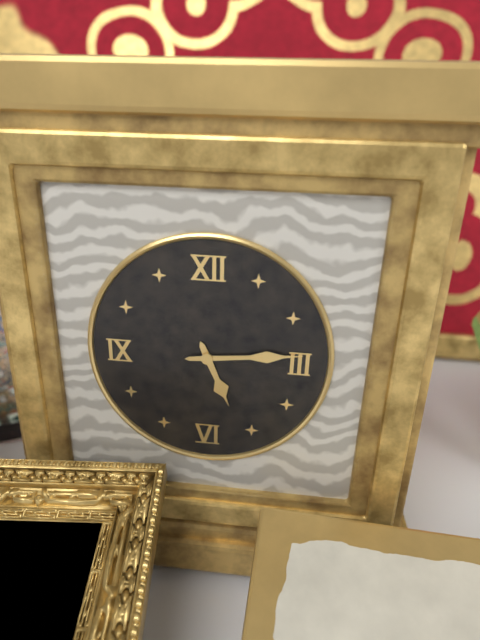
5:14
